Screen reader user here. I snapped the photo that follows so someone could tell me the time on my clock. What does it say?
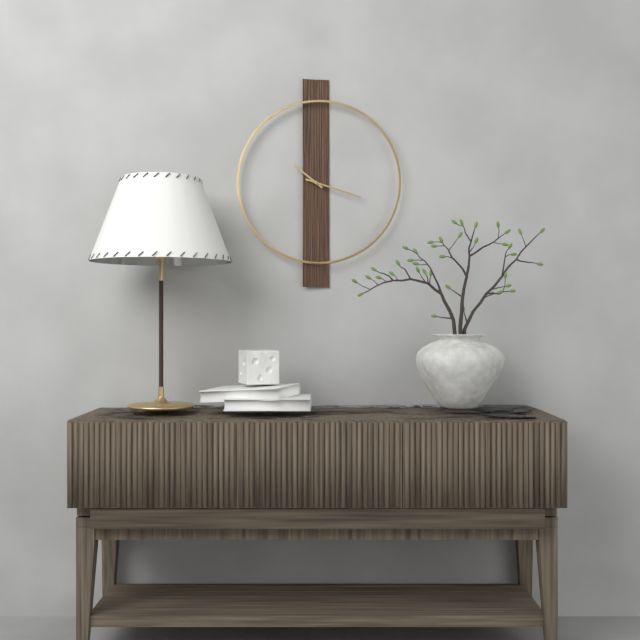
10:18
